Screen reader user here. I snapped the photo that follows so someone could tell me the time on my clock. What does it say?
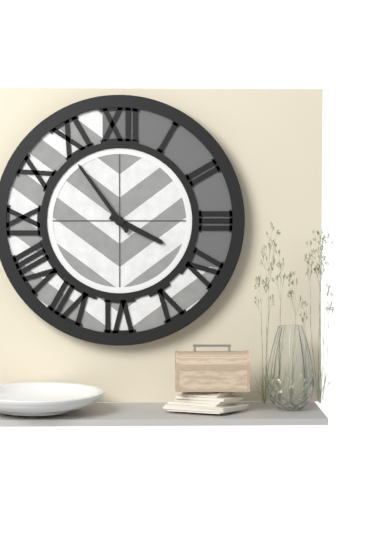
3:54
